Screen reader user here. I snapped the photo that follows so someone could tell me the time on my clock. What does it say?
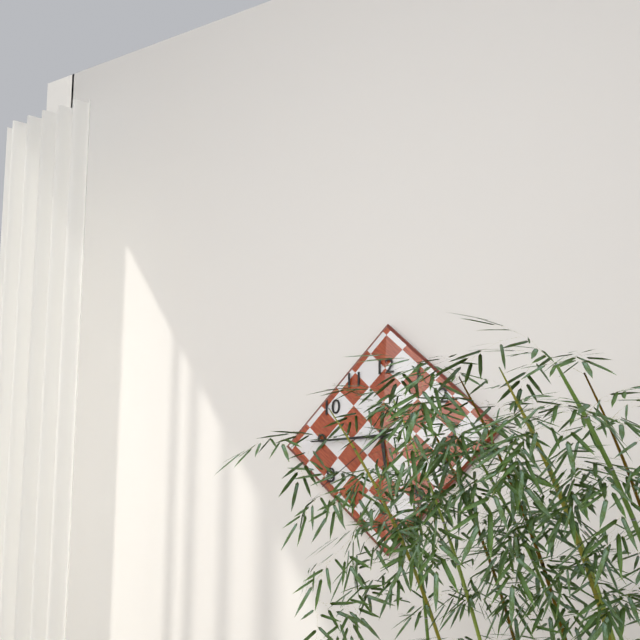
5:45:39
